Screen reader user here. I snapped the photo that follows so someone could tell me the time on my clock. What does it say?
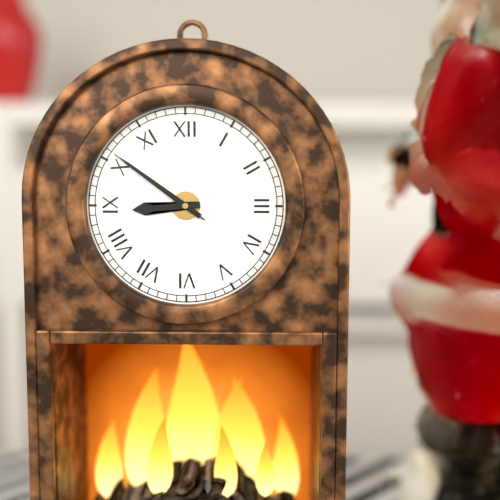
8:51:51
